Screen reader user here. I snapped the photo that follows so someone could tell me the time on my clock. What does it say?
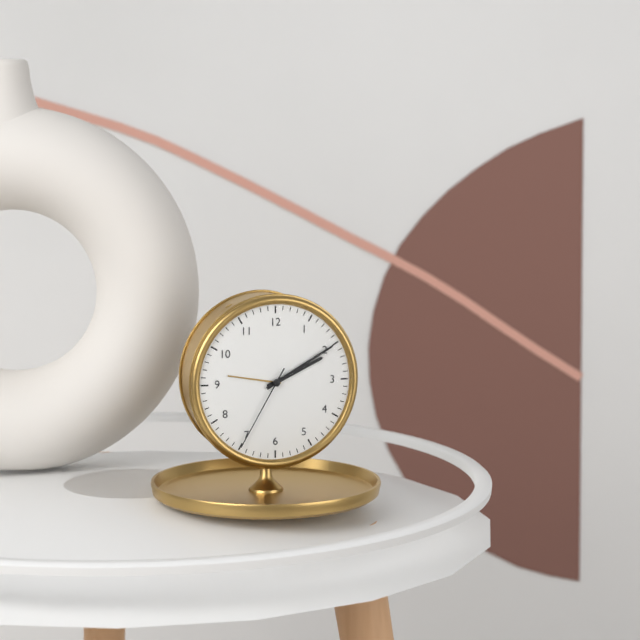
2:10:35
